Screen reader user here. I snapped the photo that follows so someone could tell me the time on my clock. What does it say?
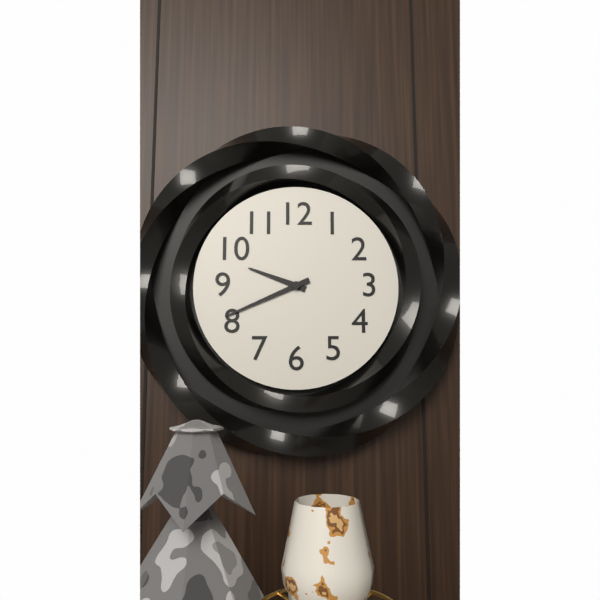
9:41
